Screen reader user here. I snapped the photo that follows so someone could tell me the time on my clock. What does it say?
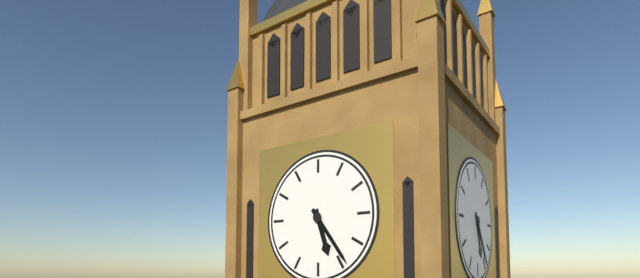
5:24
